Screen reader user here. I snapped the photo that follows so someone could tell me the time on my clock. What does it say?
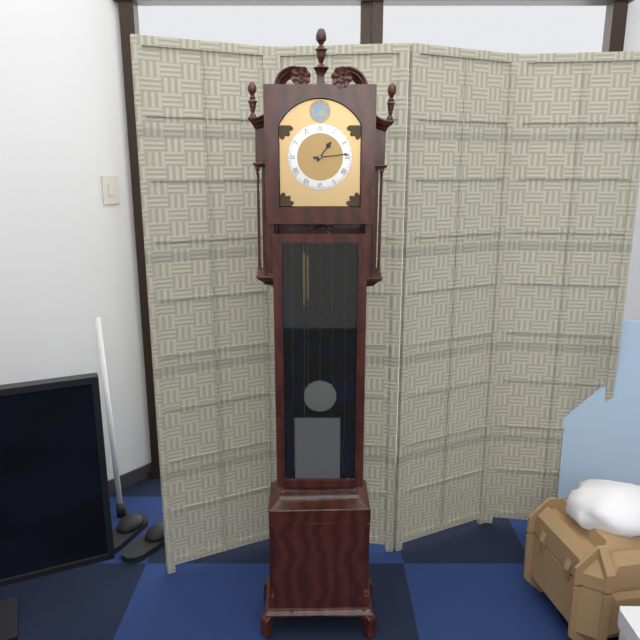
1:14
